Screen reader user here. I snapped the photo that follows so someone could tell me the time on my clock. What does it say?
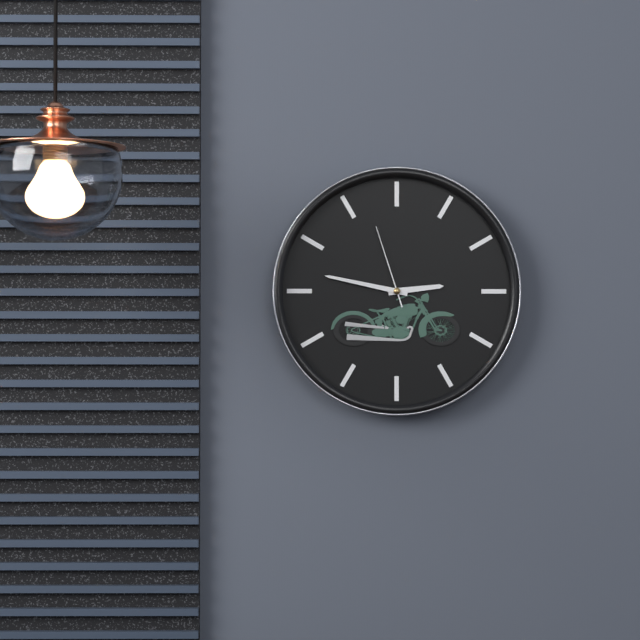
2:47:57
